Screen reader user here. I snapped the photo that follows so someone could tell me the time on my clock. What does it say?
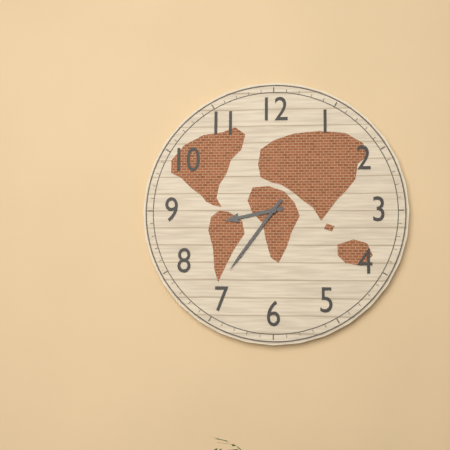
8:36
